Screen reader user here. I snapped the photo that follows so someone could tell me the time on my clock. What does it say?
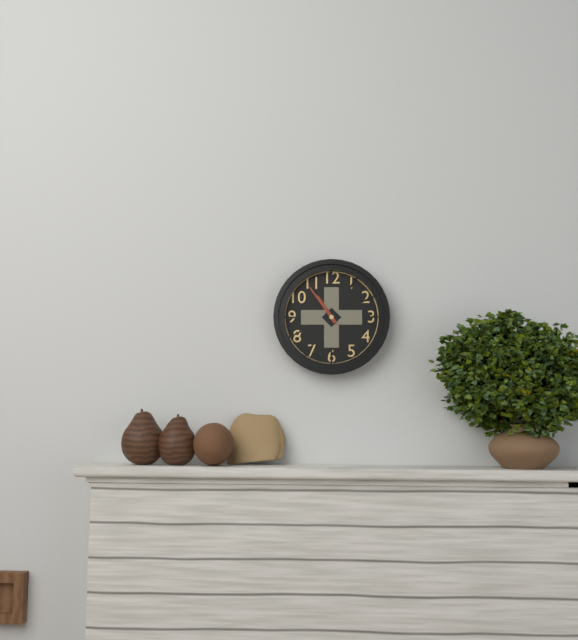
10:54
